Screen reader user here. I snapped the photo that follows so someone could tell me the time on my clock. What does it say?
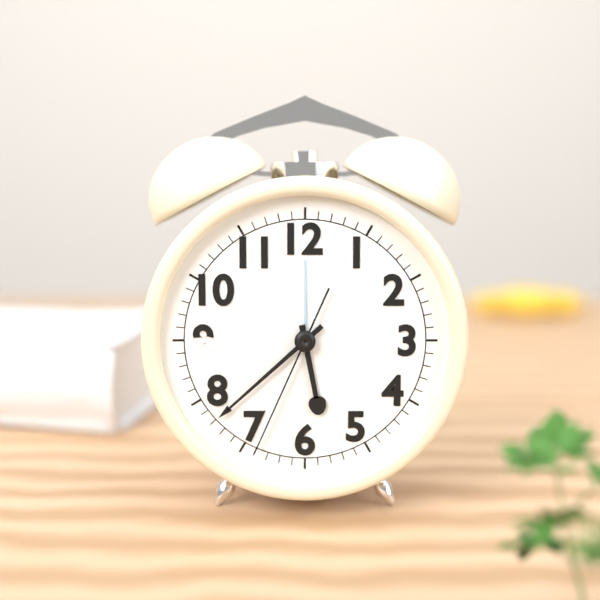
5:38:34
